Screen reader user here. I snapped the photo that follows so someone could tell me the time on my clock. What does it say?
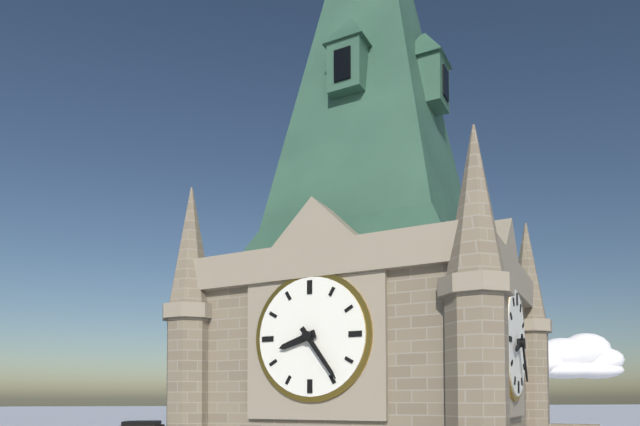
8:24
